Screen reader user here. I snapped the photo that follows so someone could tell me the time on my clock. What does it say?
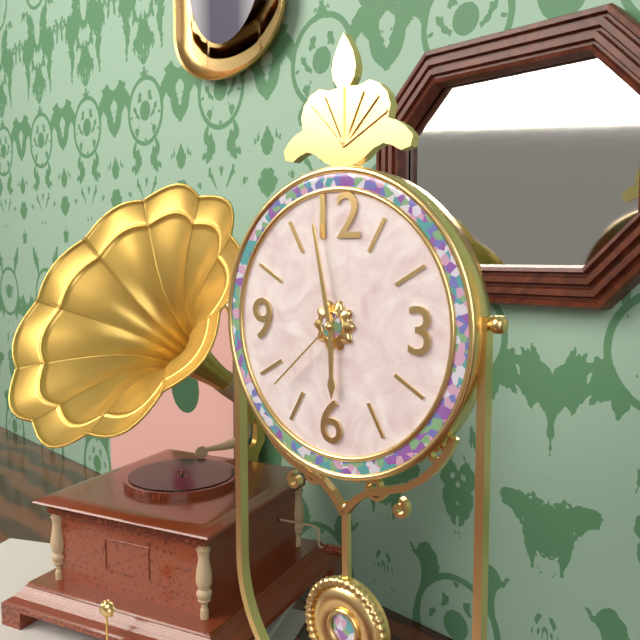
5:58:38
